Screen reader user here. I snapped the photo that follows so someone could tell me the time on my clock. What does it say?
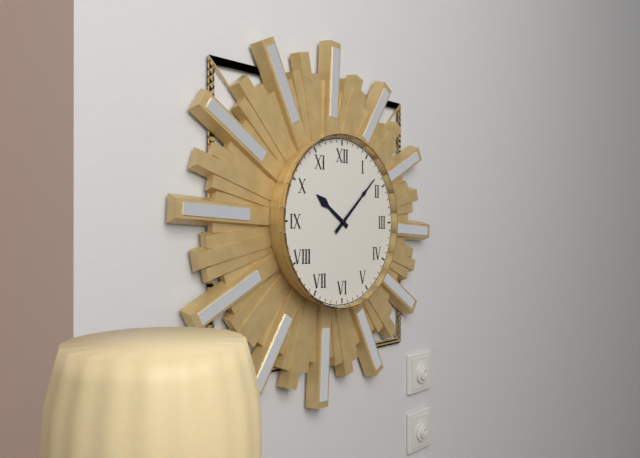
10:08
